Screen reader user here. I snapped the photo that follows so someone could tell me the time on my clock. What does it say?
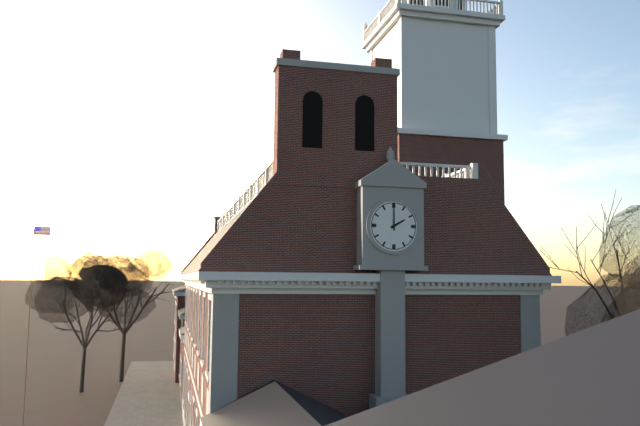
2:00
